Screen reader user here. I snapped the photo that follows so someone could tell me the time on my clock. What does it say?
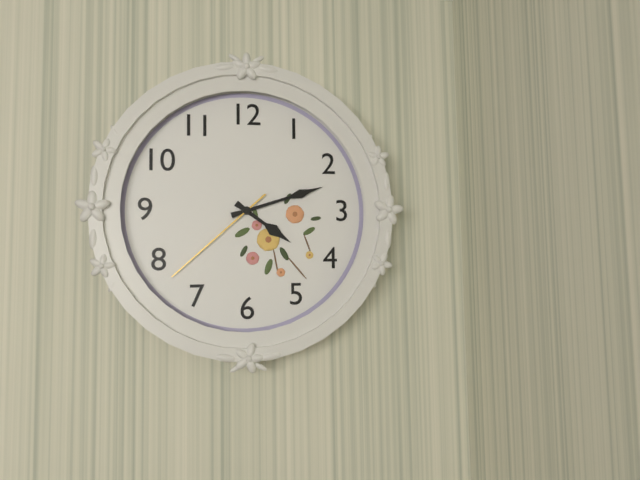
4:12:38
